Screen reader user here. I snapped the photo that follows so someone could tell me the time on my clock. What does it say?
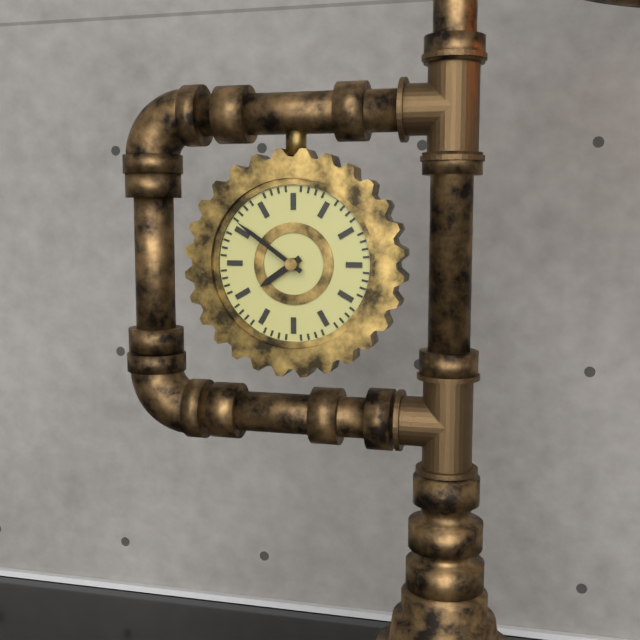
7:51
